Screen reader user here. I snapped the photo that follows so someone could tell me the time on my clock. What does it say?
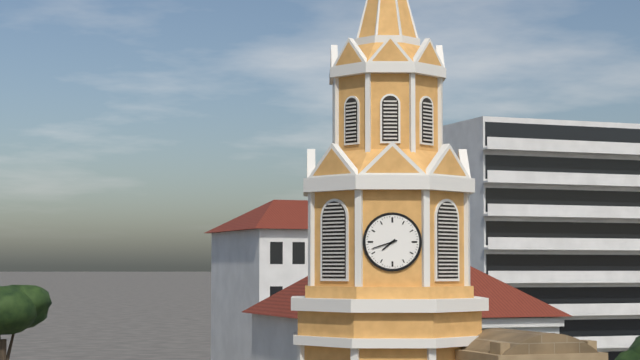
7:42
